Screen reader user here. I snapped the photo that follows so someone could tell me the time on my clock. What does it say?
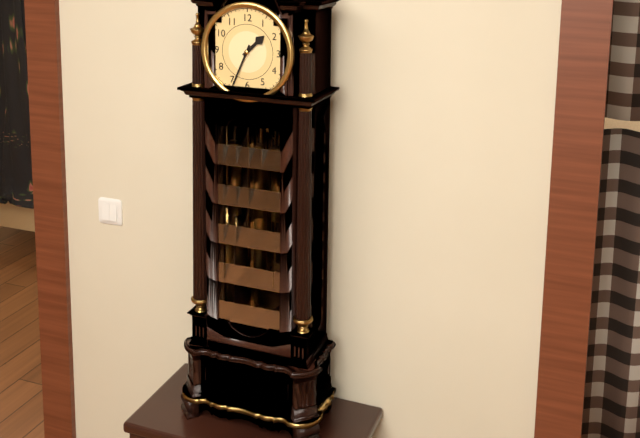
1:34
